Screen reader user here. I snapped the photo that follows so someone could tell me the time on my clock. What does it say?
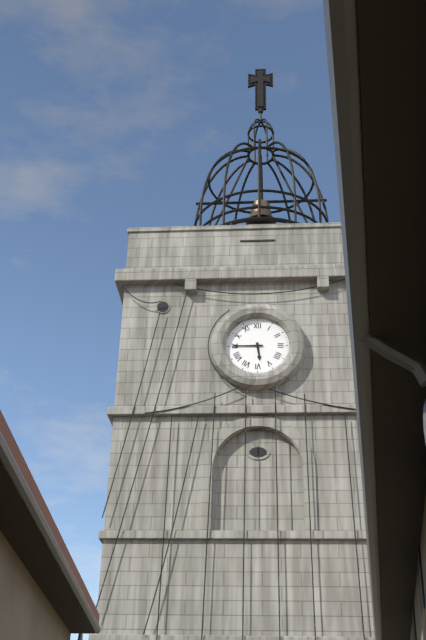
5:45
